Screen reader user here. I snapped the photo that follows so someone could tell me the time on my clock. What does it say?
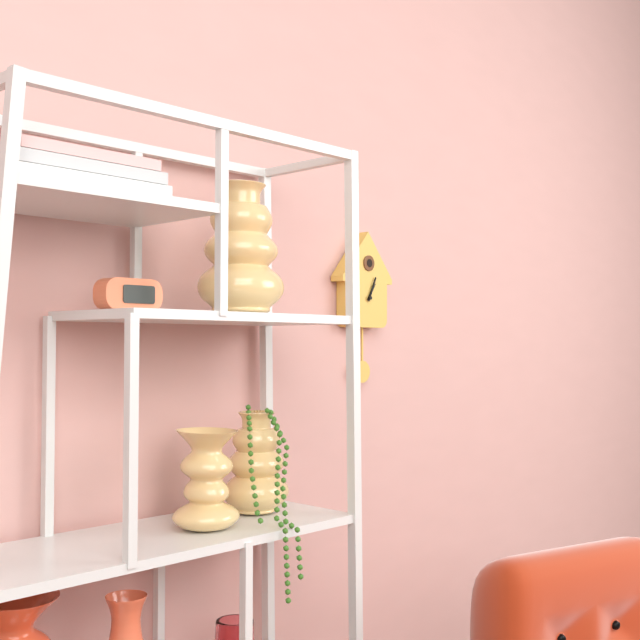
1:04
